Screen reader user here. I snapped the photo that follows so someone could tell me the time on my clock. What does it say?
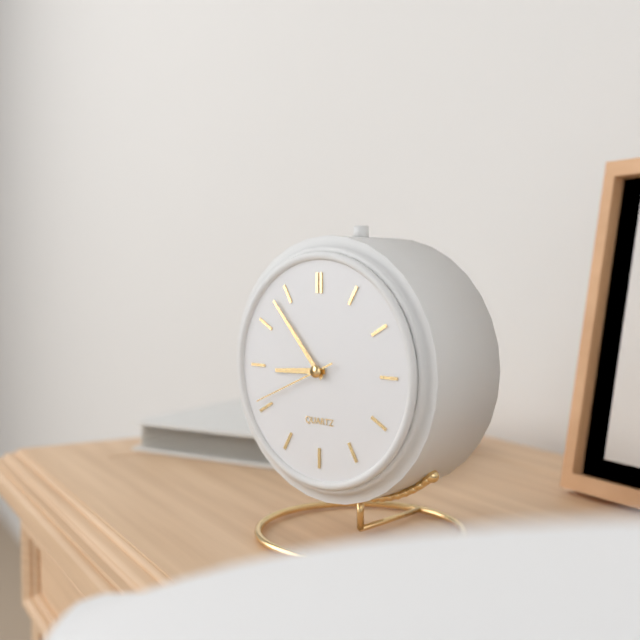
8:53:41
